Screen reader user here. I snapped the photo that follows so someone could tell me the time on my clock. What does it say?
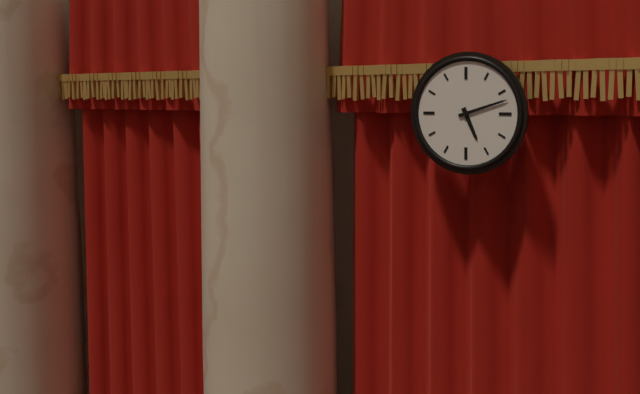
5:12
